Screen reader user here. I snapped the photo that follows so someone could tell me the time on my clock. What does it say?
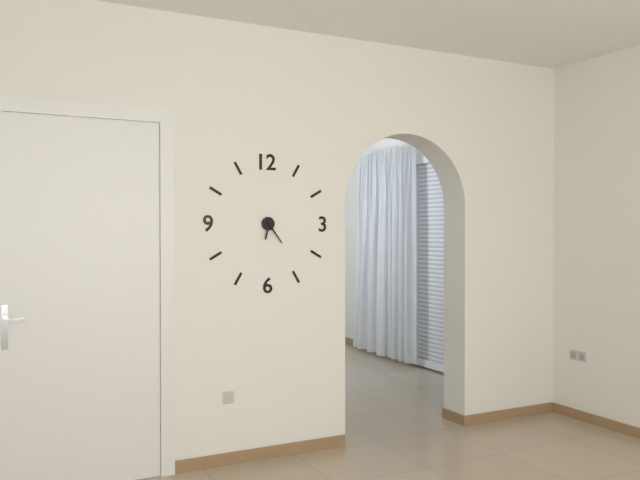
6:24
